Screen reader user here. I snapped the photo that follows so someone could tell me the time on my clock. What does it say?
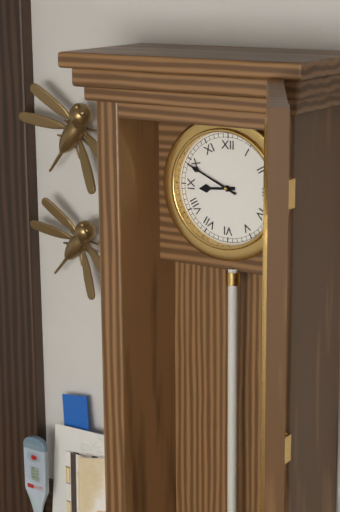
8:49
